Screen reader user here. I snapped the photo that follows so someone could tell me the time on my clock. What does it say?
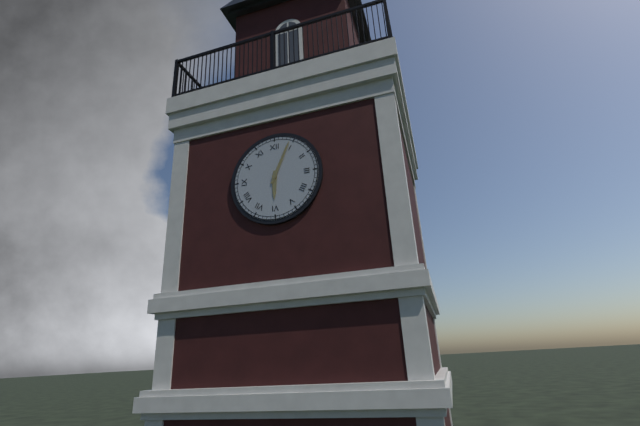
6:04
